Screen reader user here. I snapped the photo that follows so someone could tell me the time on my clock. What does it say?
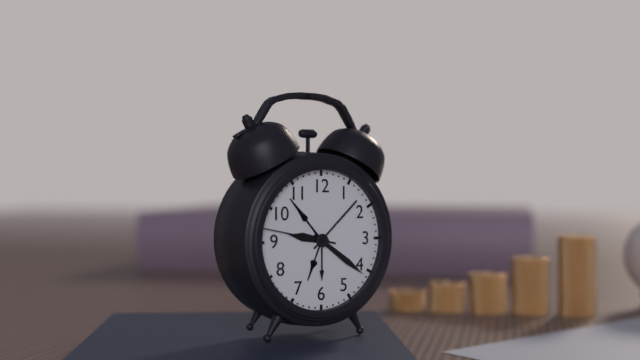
9:21:47
